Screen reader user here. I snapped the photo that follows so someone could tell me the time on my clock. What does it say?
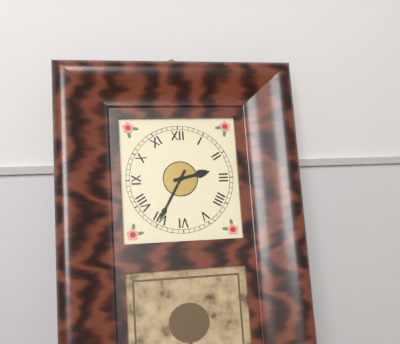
2:35
